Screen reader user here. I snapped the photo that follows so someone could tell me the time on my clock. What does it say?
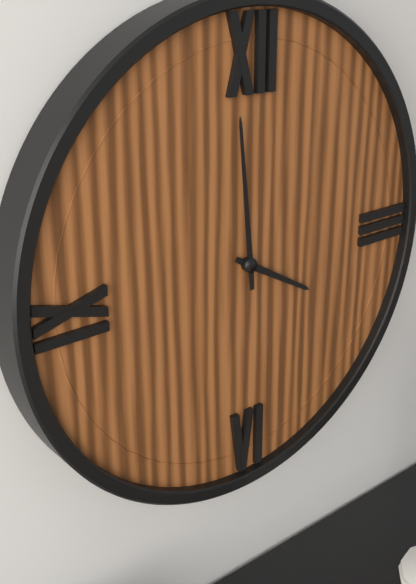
3:59
